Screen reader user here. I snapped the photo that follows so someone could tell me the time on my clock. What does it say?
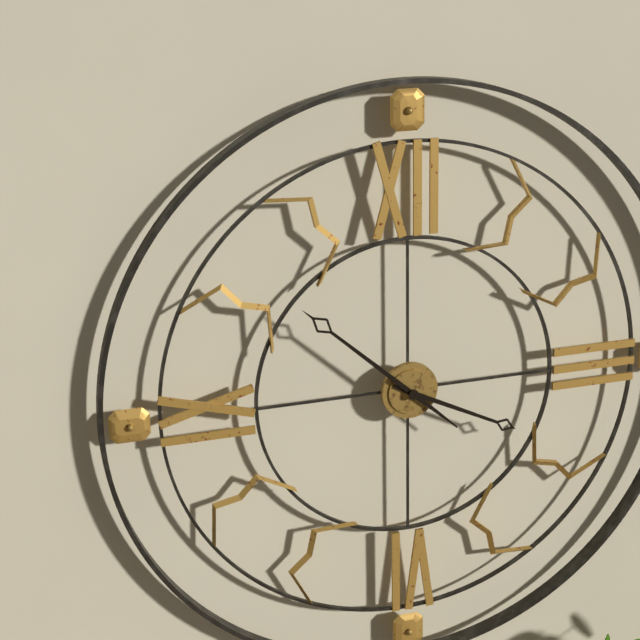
3:52
